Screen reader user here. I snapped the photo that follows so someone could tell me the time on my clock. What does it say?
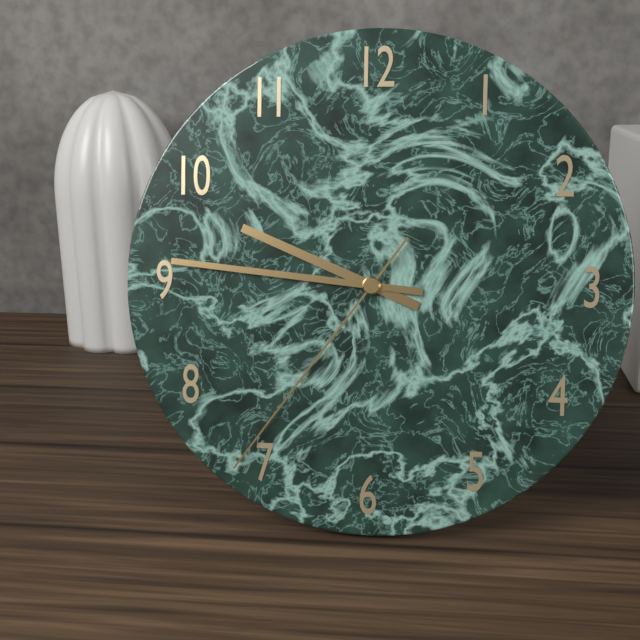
9:46:36
